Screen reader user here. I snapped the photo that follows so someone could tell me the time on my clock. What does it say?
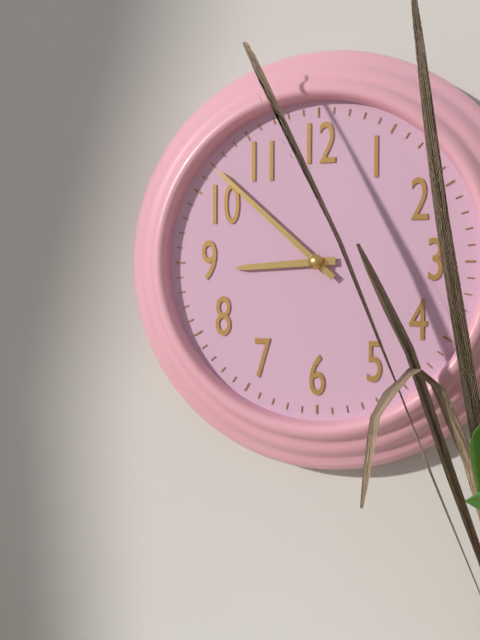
8:52
